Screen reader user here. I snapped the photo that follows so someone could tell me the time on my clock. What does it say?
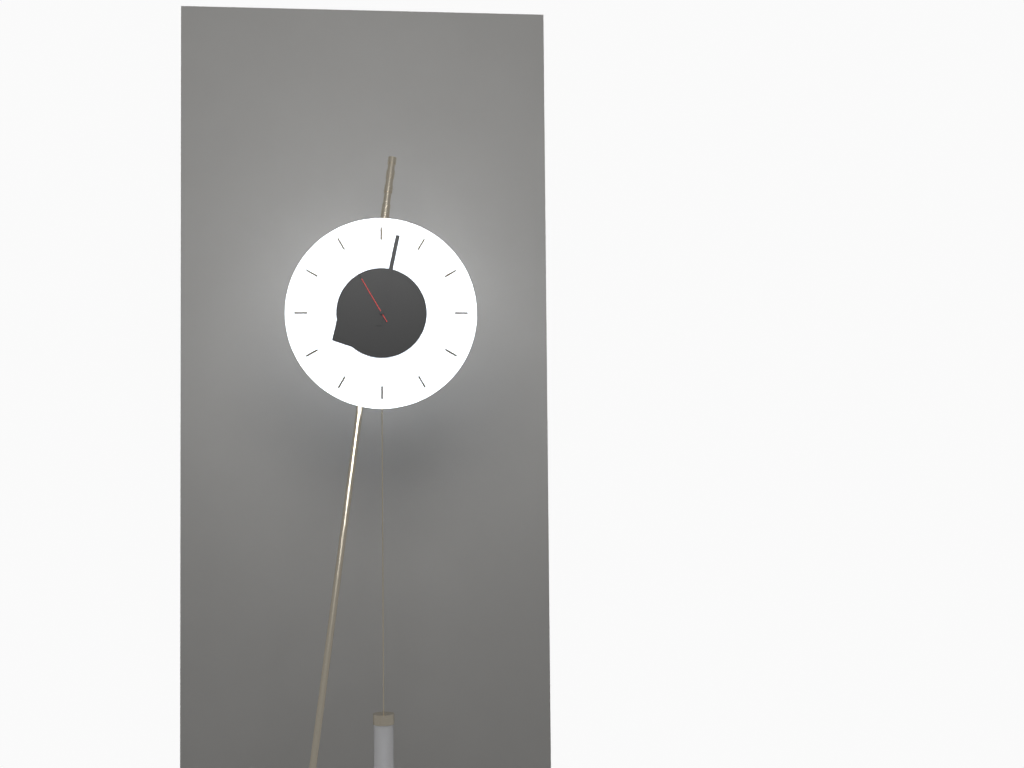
8:02:55
